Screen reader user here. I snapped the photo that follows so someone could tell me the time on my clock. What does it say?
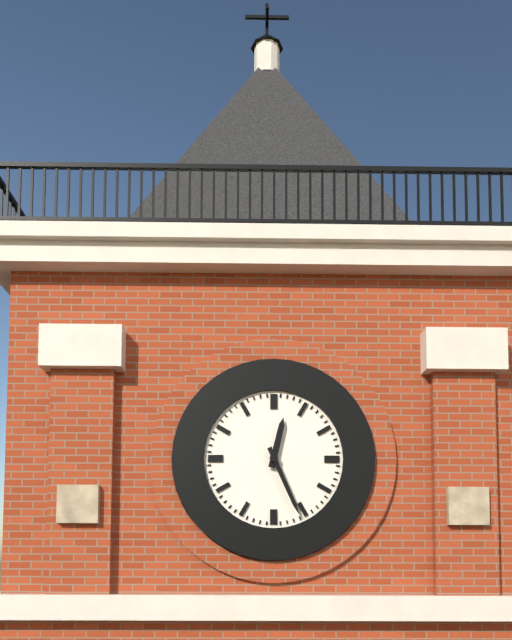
12:26
